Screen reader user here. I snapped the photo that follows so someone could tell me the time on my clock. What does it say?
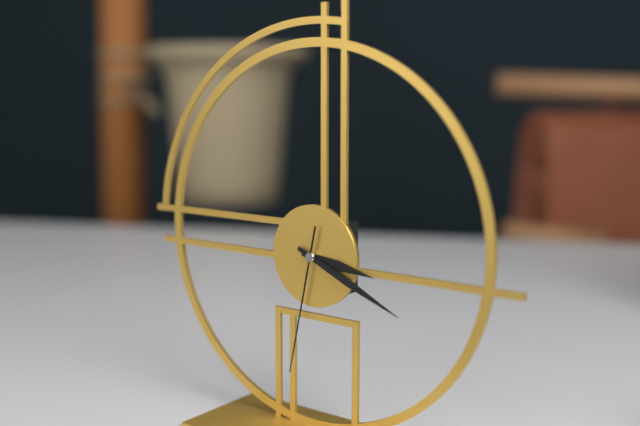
3:19:32
